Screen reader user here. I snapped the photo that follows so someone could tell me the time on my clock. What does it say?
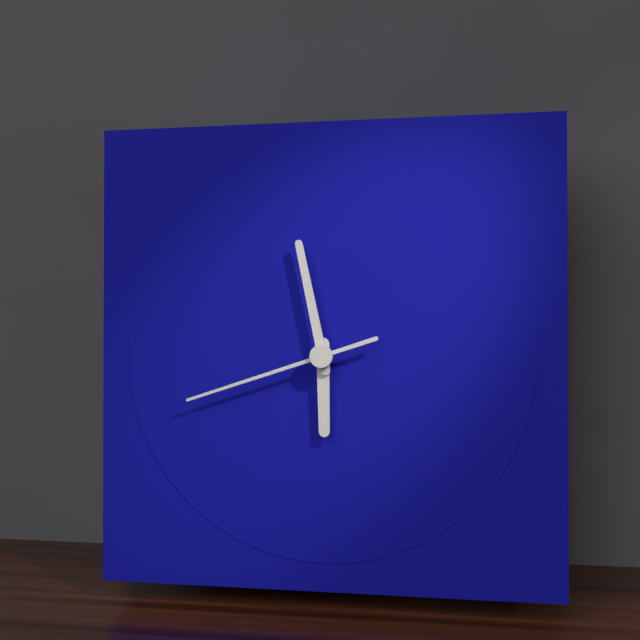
5:58:42
